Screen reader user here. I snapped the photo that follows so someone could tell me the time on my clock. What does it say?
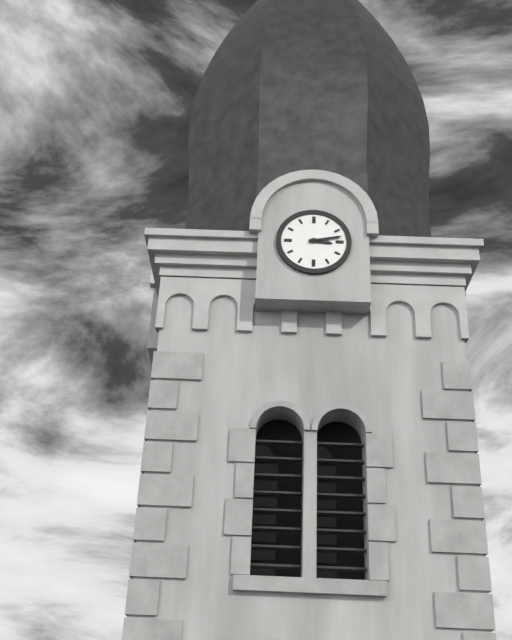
3:13
